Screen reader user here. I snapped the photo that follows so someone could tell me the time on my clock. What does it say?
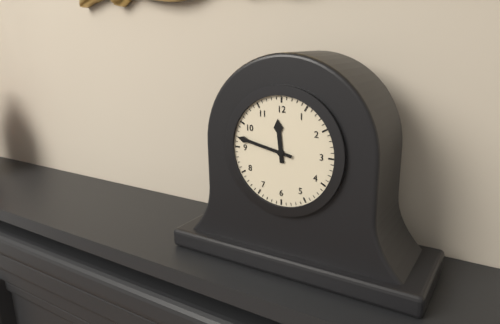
11:47
